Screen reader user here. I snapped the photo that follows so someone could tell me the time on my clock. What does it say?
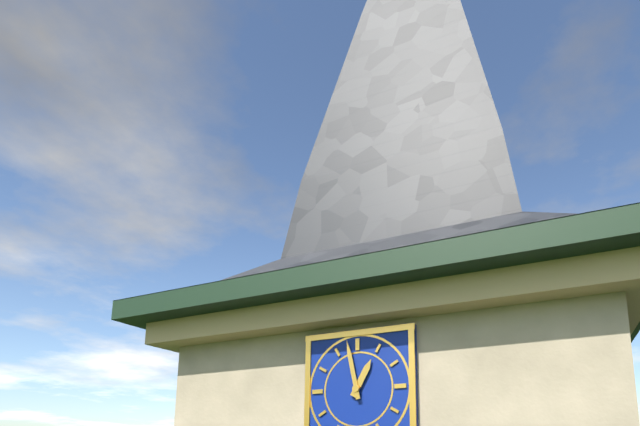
12:58
